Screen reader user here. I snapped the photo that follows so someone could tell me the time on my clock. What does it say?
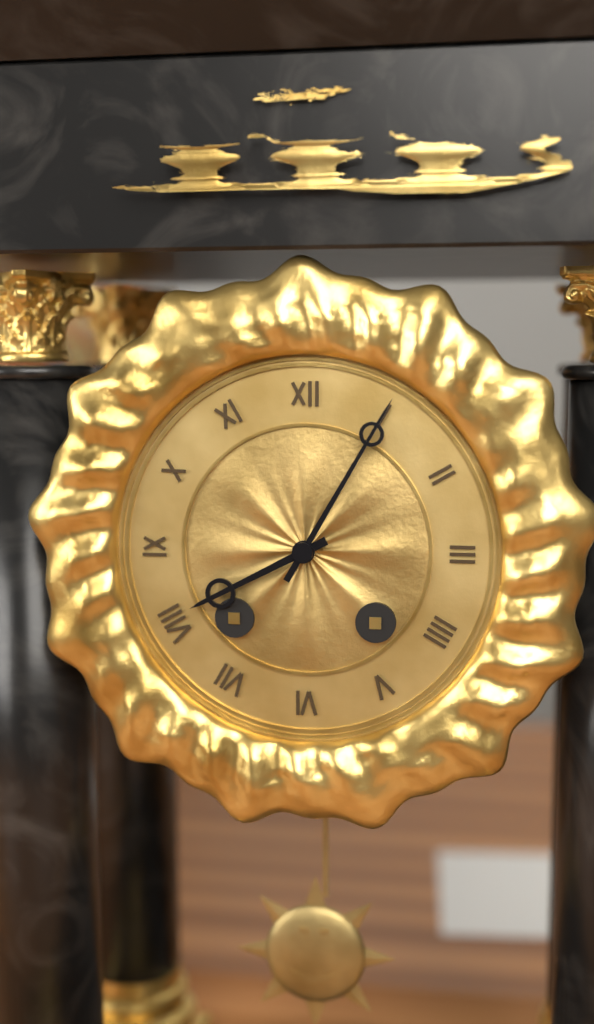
8:05
